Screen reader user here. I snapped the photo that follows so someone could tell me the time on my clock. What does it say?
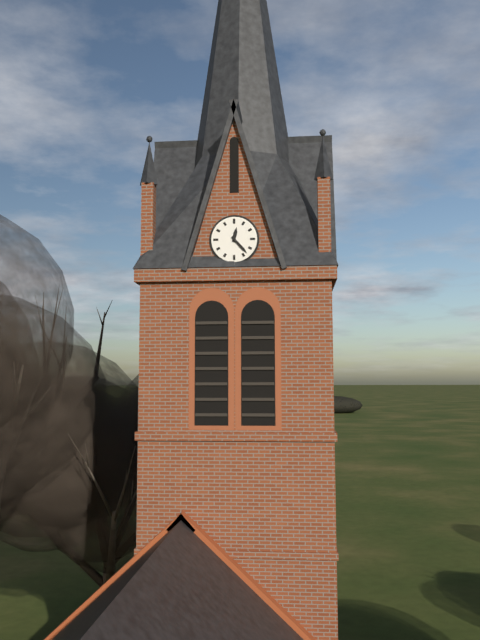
12:23
